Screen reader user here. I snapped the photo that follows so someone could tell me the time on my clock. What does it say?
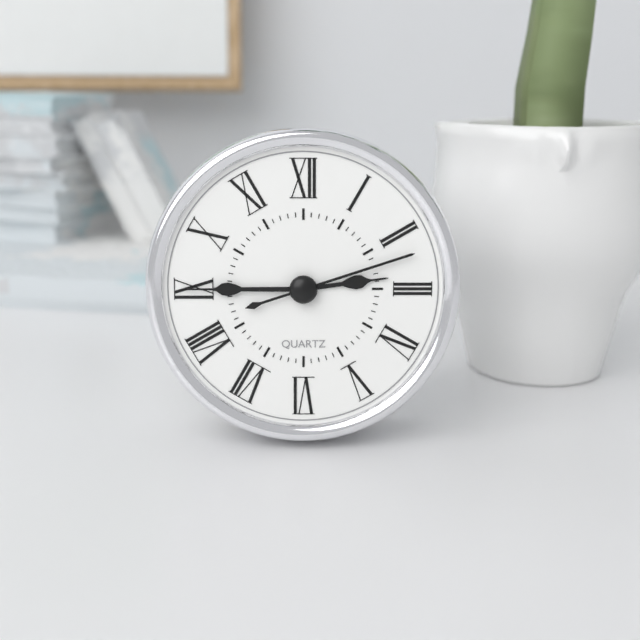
2:45:12
